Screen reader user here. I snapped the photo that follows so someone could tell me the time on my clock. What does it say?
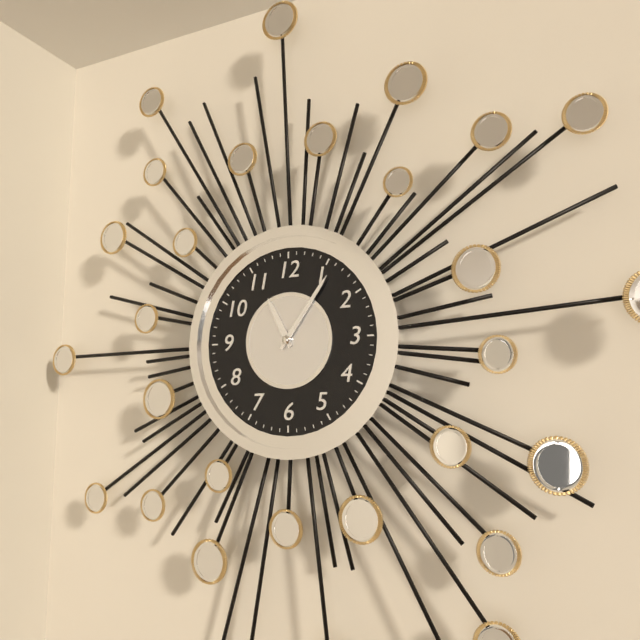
11:06
